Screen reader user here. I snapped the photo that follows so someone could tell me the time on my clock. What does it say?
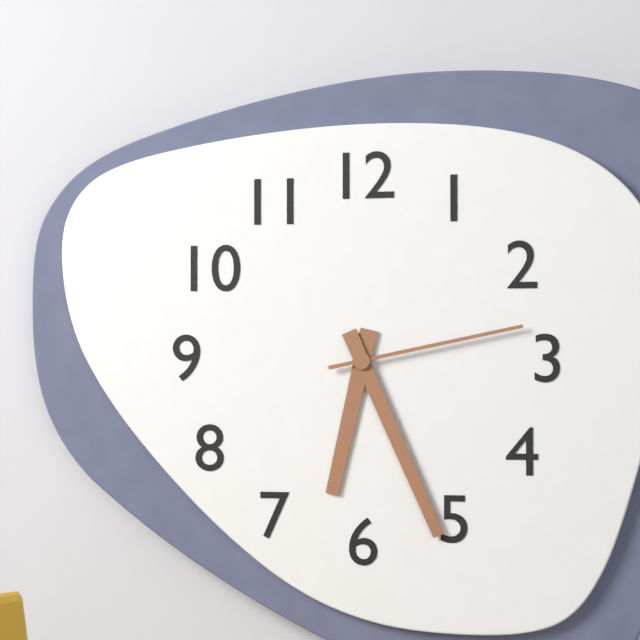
6:26:13
